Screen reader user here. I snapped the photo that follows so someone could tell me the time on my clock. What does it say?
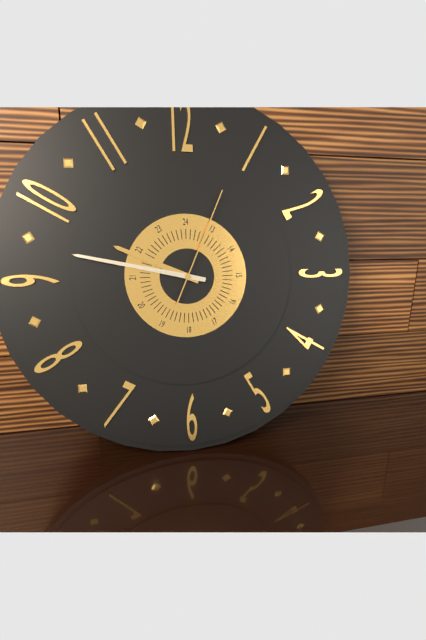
9:47:04
